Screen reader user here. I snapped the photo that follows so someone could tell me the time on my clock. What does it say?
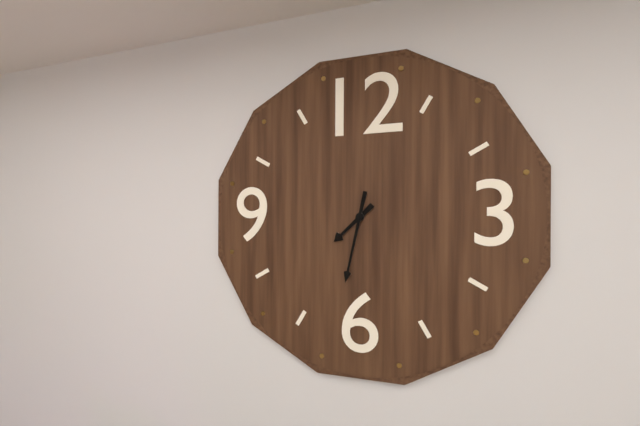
7:32
